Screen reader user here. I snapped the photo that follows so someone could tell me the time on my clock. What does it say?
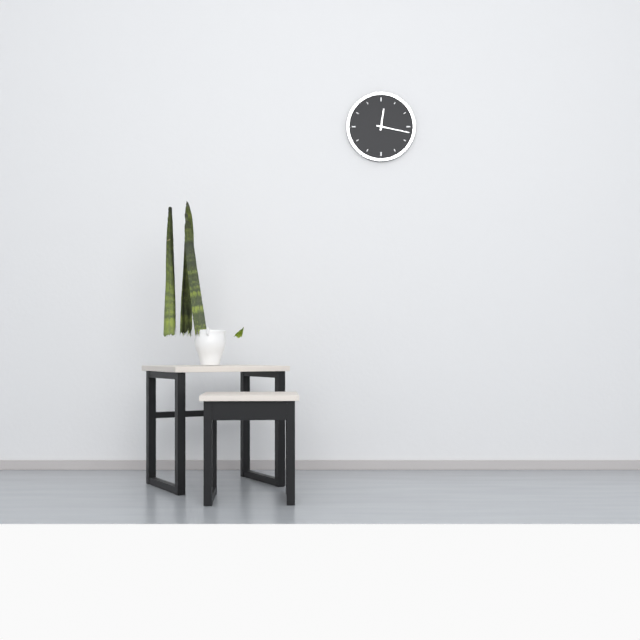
12:17
